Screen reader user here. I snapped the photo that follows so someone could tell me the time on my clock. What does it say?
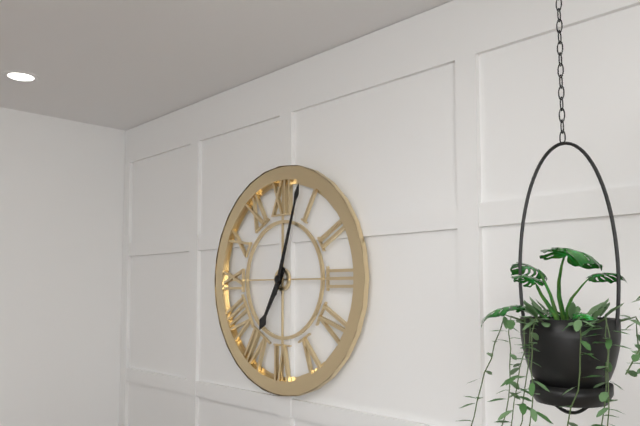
7:03
